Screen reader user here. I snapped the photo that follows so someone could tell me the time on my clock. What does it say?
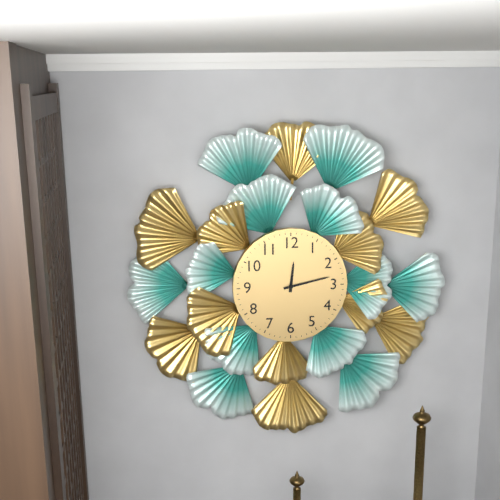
12:13
